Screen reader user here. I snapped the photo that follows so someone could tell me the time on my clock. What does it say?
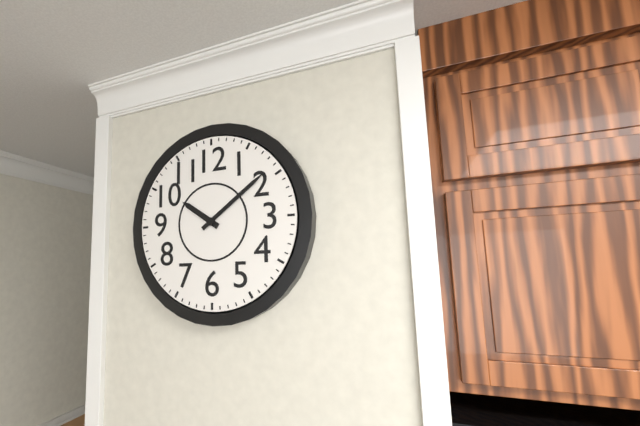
10:09
